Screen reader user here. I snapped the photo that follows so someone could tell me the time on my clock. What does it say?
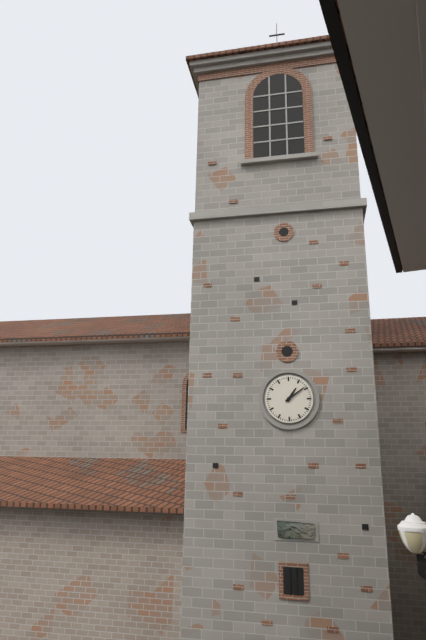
1:09
